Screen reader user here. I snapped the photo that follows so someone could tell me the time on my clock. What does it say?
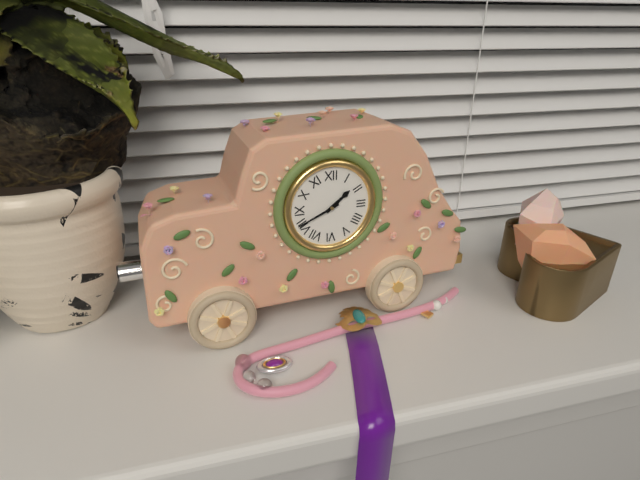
1:41
